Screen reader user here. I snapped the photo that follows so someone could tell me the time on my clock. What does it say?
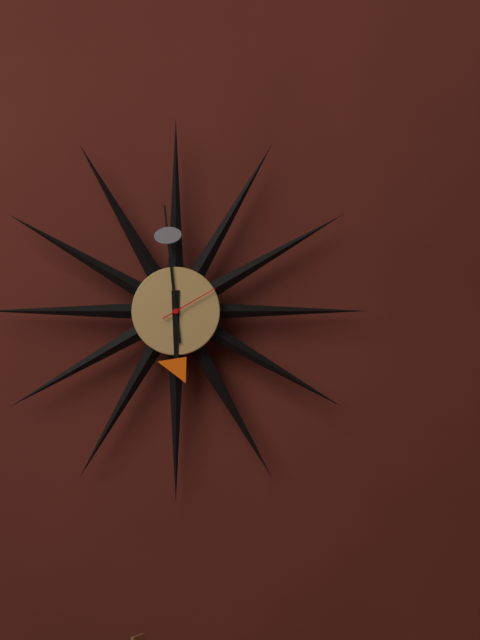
5:59:10
